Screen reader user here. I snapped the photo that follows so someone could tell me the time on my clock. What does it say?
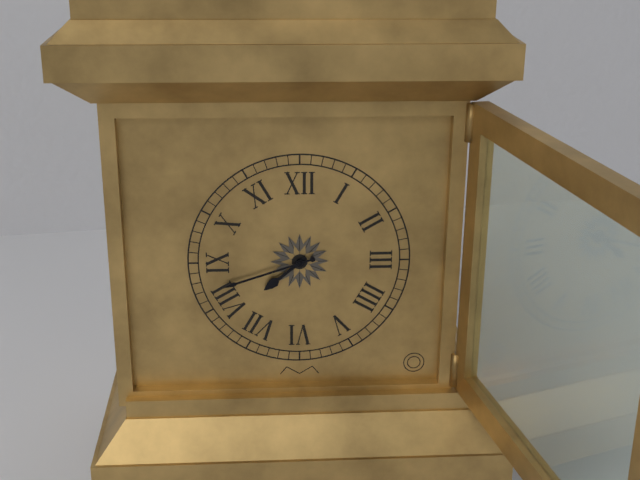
7:42
